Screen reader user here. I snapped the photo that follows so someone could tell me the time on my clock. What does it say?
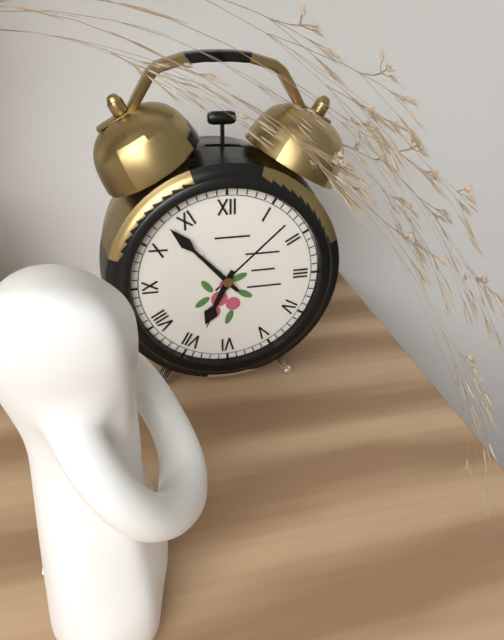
6:53
